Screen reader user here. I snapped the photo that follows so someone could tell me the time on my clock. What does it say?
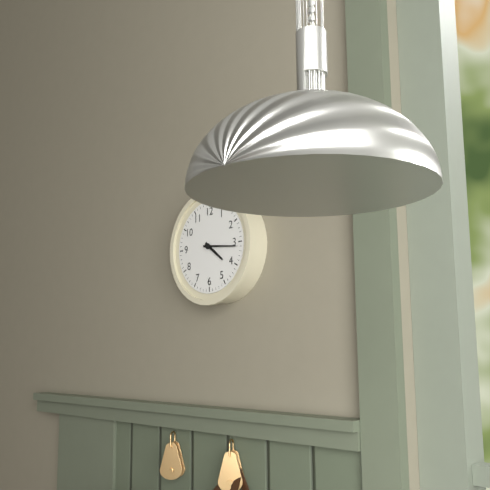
4:16
